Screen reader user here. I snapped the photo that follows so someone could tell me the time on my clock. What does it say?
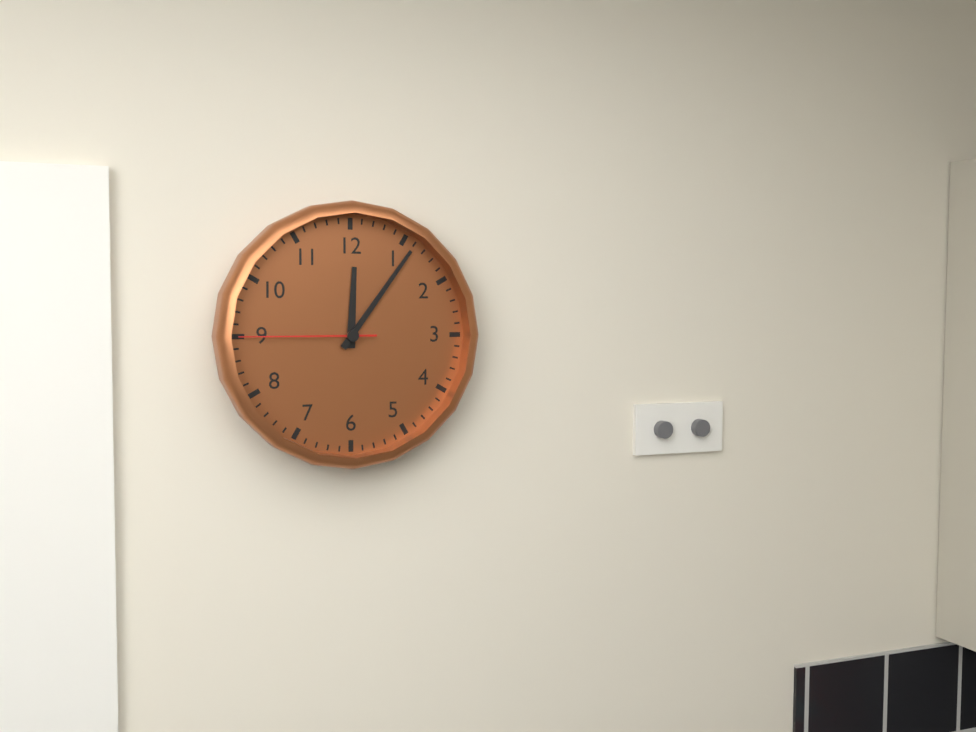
12:06:45
